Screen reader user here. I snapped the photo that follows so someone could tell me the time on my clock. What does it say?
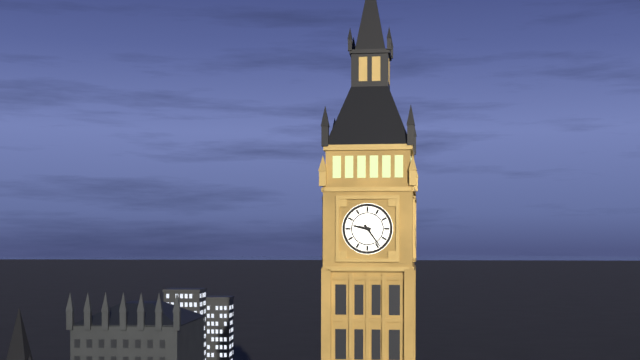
9:24
